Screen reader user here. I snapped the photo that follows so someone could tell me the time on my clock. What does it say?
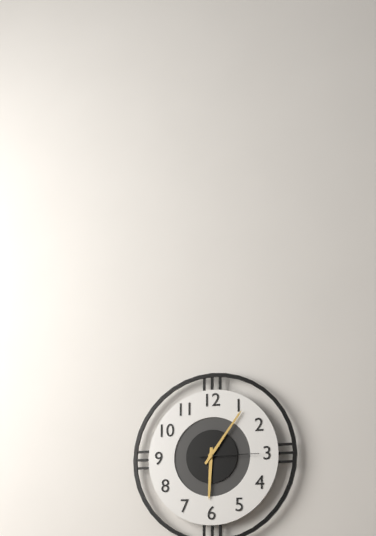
6:06:15
